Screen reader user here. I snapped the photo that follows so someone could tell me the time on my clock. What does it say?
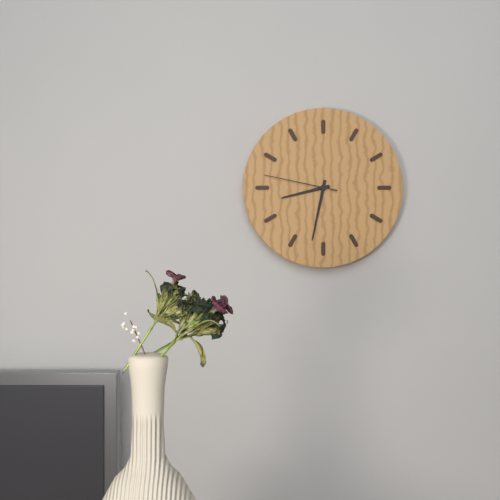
8:32:47
